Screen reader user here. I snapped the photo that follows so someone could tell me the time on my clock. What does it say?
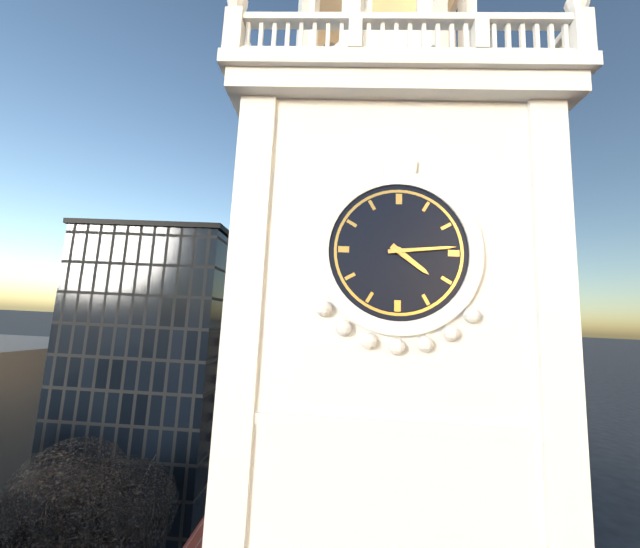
4:14
